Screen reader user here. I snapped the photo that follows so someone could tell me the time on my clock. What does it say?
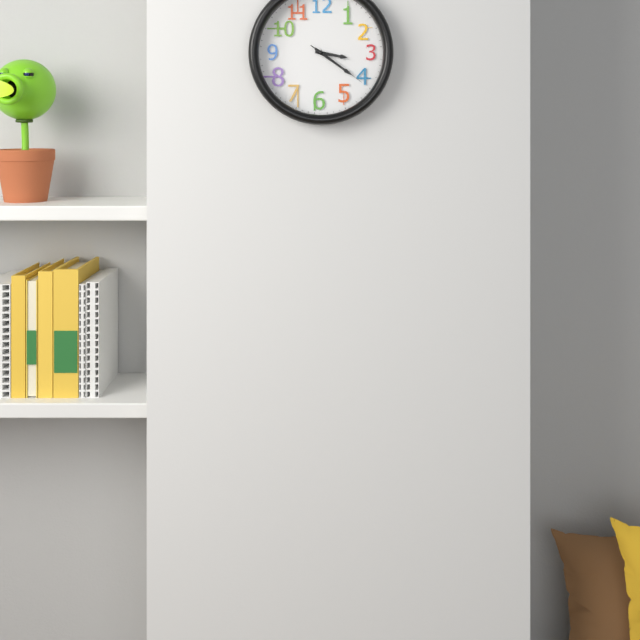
3:21:21
